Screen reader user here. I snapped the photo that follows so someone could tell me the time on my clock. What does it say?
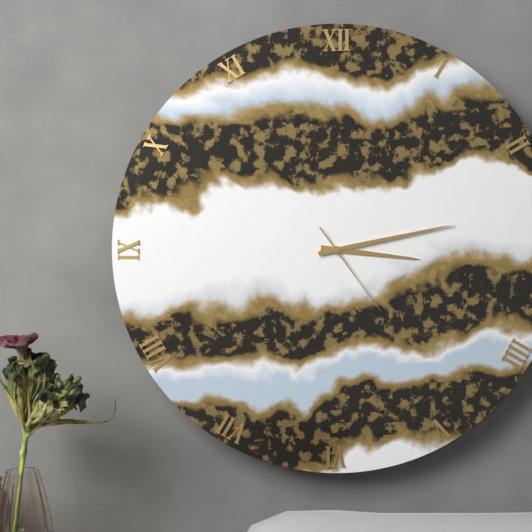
3:13:24
